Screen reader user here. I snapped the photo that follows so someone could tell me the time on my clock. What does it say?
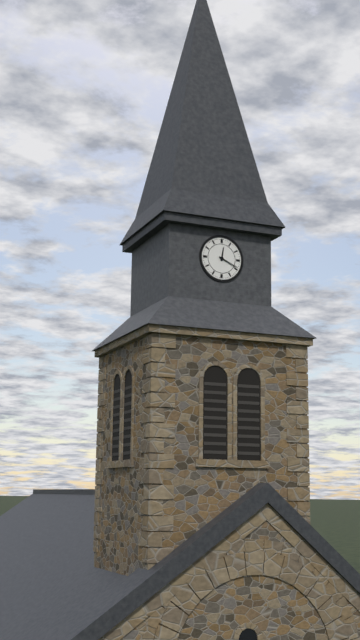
12:19
